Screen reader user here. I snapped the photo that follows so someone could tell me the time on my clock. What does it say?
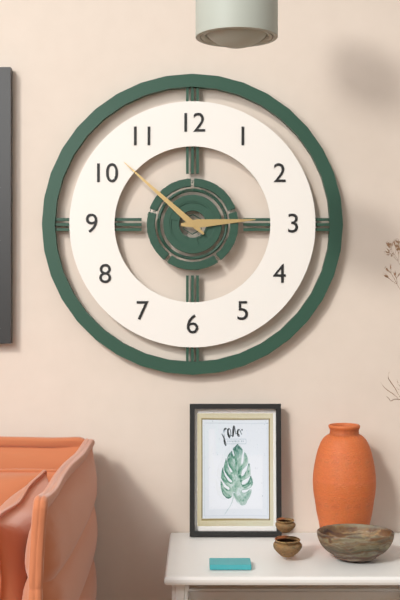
2:52
